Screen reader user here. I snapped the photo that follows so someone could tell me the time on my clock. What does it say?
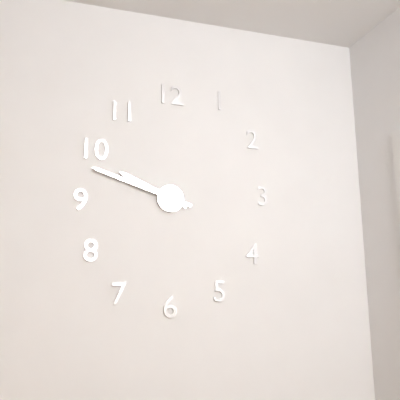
9:48
